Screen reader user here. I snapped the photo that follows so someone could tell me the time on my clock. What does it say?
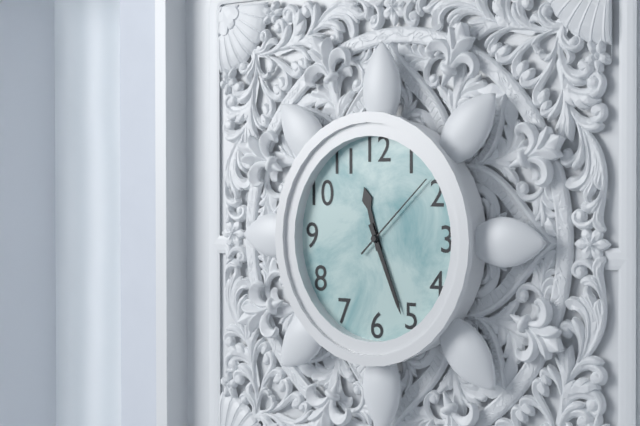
11:26:08
